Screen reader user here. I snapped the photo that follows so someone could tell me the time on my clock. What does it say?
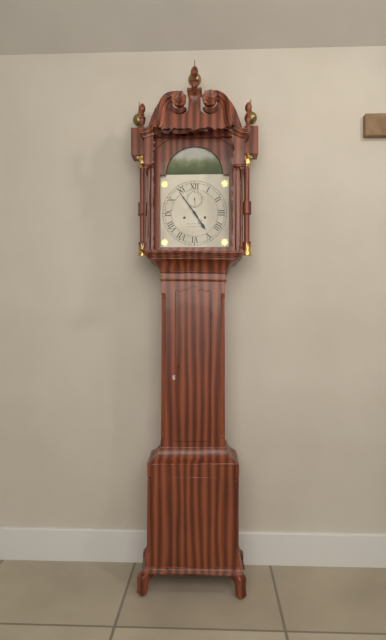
4:54
